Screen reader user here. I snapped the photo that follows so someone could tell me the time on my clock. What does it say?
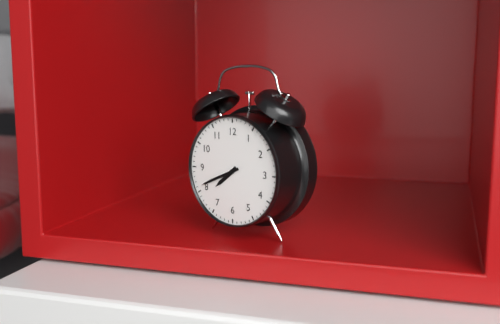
7:41
